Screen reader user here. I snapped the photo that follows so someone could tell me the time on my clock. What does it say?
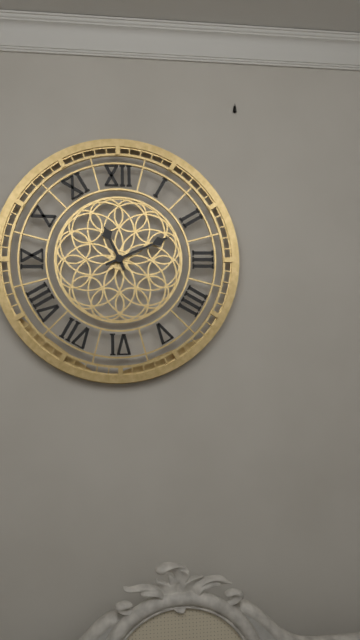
11:11
